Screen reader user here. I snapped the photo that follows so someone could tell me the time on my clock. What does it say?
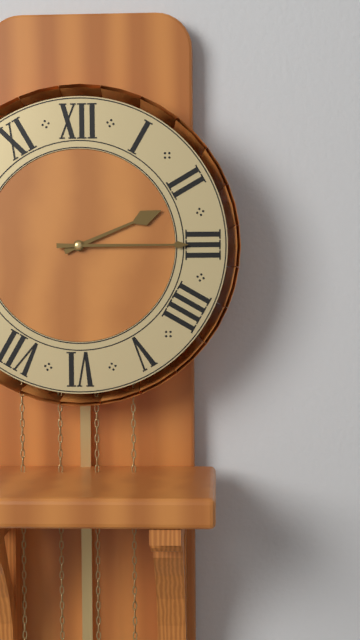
2:15
